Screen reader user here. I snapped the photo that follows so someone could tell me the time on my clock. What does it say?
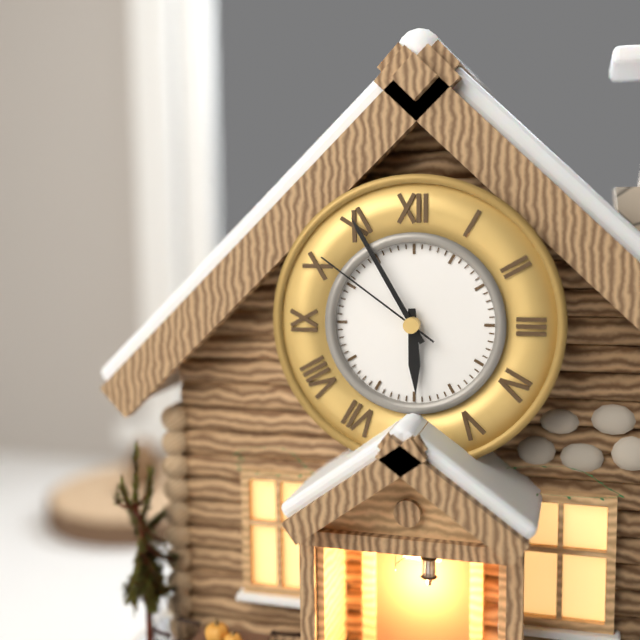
5:55:51
